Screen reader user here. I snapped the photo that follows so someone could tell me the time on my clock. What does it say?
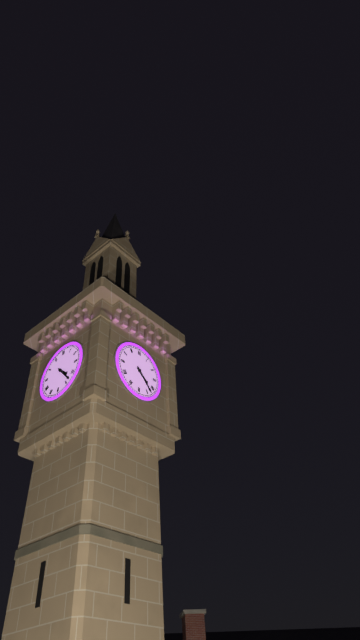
4:23
